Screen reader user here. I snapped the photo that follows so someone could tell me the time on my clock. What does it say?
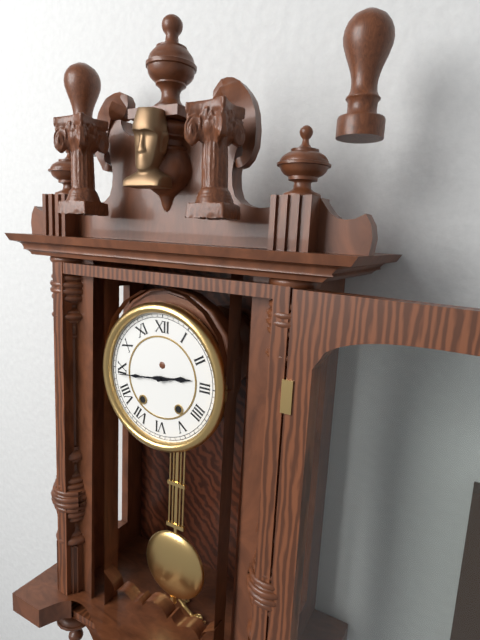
2:44
